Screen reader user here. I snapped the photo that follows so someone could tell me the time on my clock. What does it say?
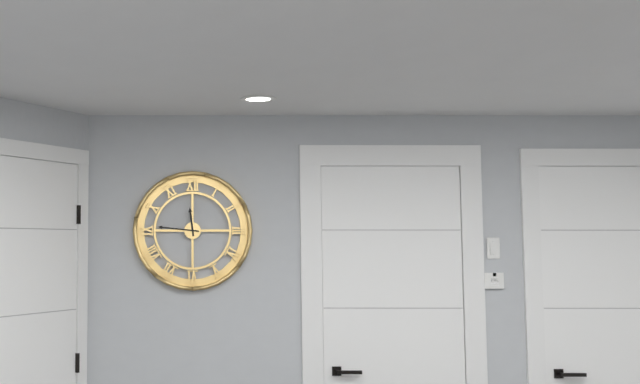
11:46
